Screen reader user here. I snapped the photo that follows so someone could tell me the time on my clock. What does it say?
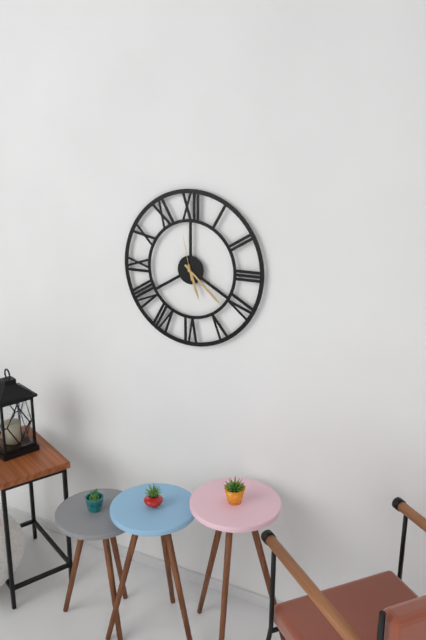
5:22
